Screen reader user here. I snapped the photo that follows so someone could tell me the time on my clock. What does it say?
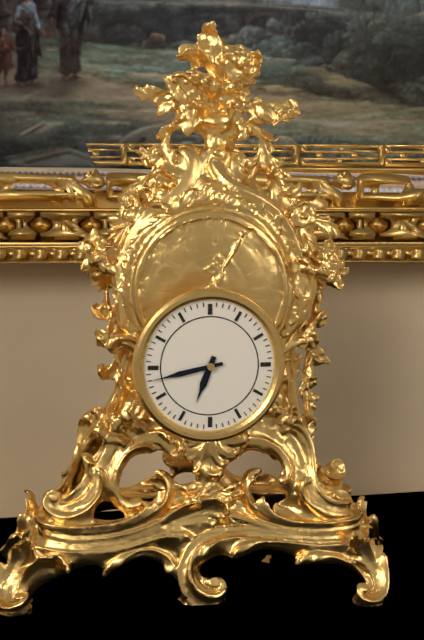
6:43
